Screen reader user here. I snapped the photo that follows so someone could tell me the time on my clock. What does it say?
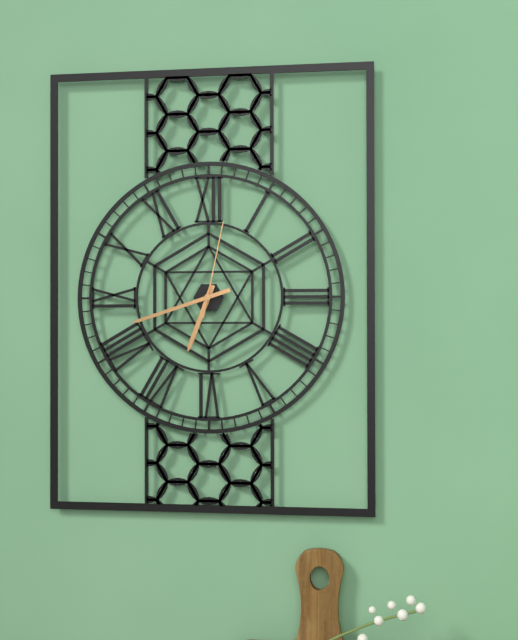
6:42:02
